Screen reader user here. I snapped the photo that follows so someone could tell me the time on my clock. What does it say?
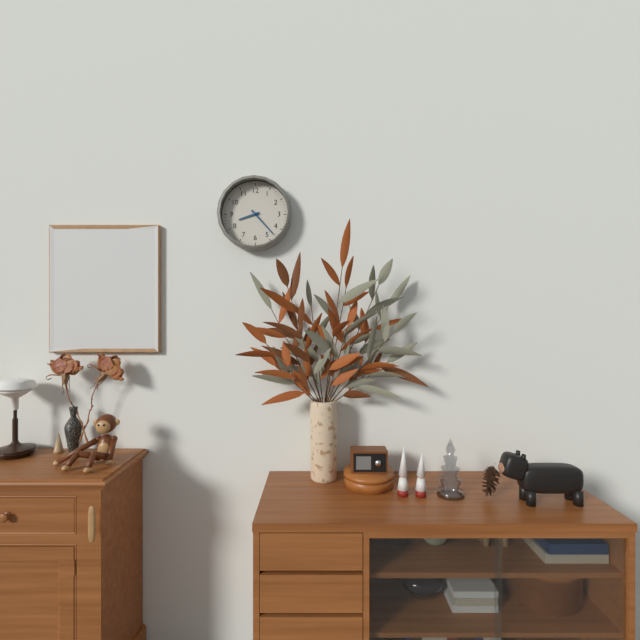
8:23
